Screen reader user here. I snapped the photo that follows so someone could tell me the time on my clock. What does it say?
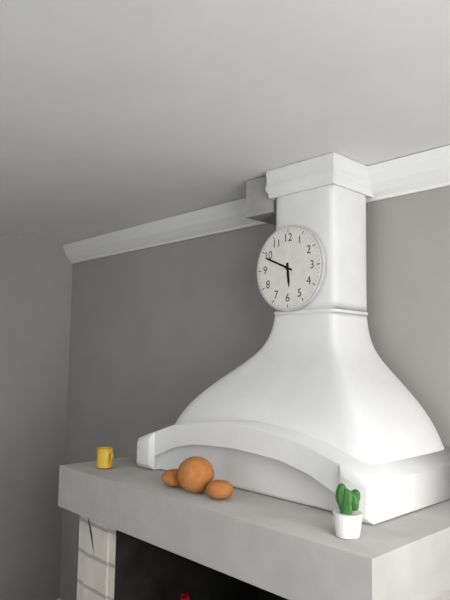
5:49
